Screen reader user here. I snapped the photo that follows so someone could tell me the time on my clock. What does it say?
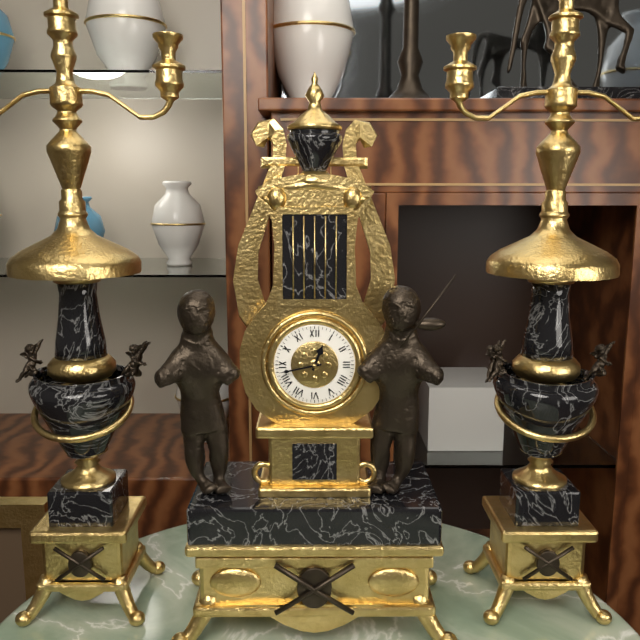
12:43
